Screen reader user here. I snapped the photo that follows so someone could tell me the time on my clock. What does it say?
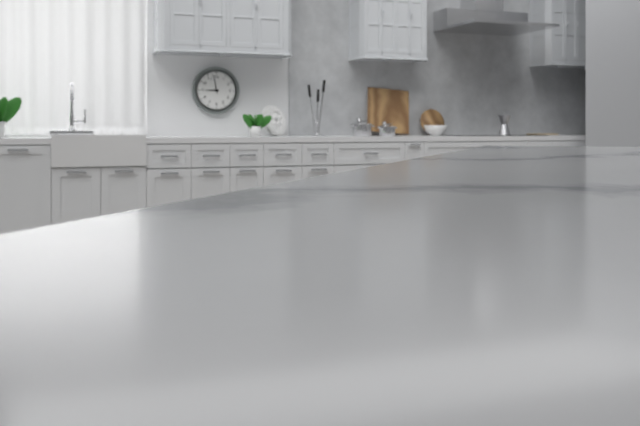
8:58
